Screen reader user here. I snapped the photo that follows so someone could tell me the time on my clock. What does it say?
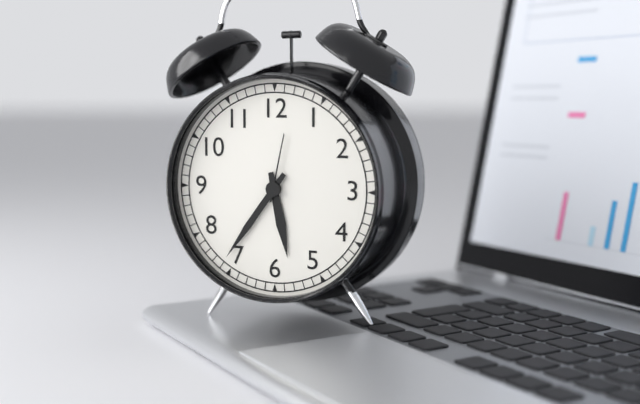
5:36:02
